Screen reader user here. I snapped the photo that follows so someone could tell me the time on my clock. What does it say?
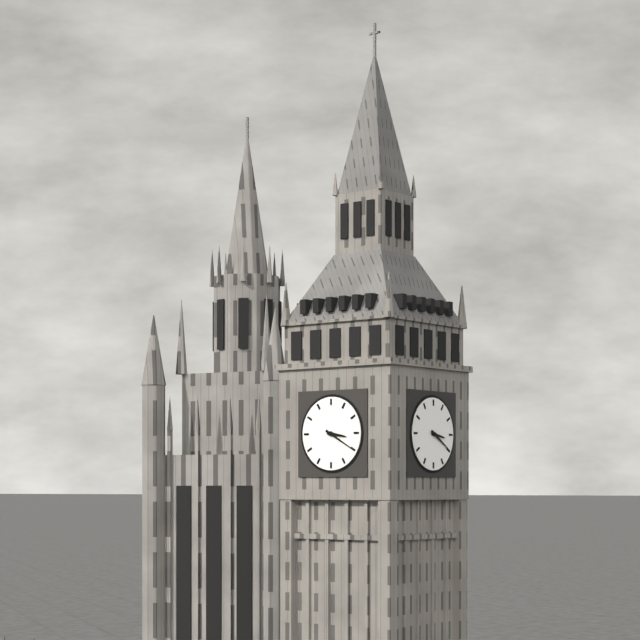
3:20
